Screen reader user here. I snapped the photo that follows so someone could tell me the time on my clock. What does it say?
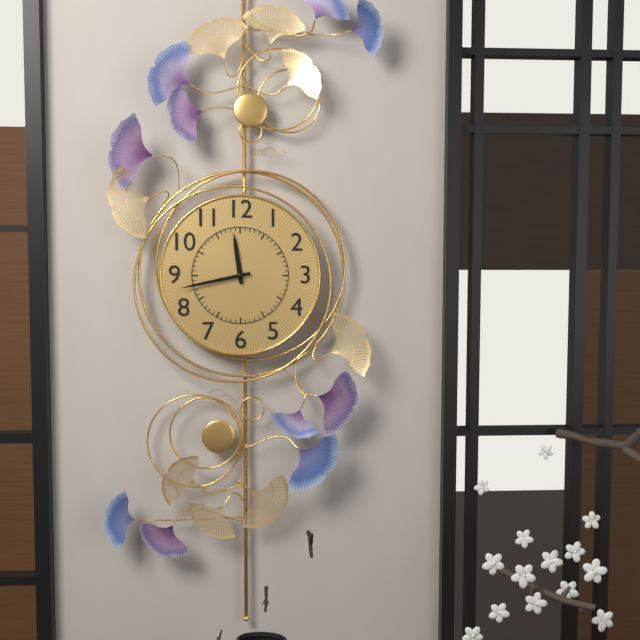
11:43
